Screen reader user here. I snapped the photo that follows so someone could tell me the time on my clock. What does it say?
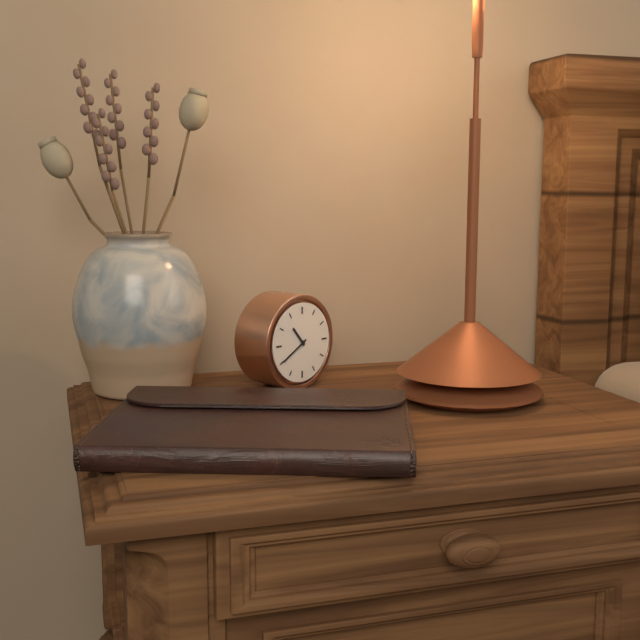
10:40
